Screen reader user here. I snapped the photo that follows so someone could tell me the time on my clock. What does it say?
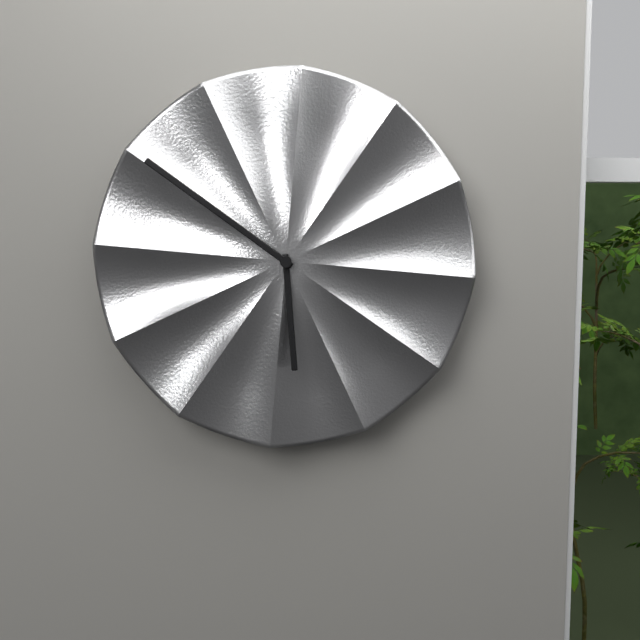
5:51
